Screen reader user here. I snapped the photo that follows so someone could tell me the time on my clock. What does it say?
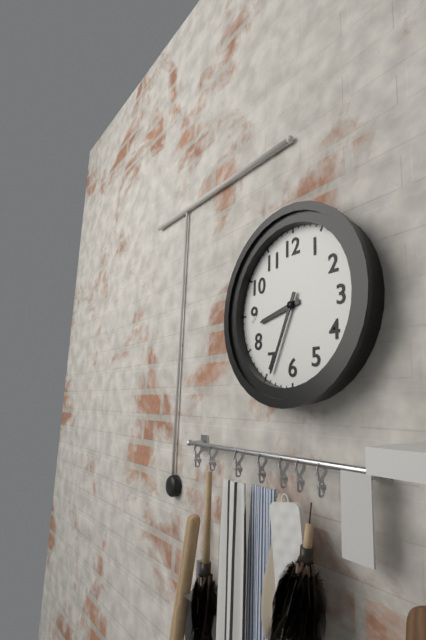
8:34
